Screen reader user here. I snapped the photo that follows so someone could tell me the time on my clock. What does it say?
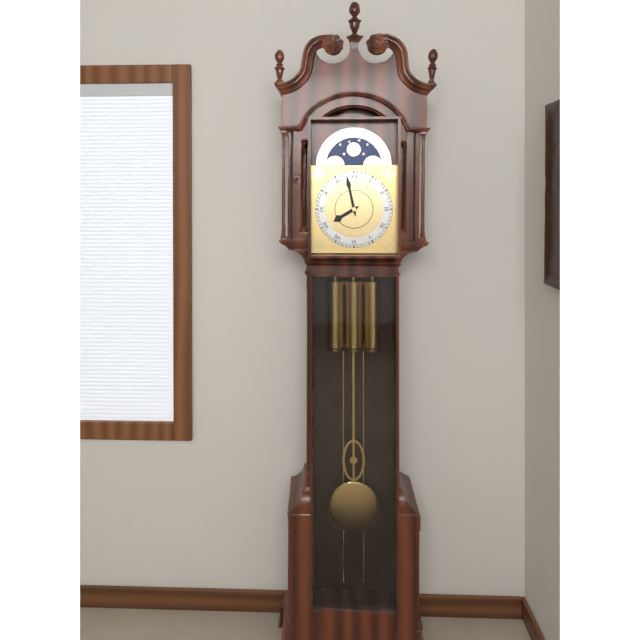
7:58
